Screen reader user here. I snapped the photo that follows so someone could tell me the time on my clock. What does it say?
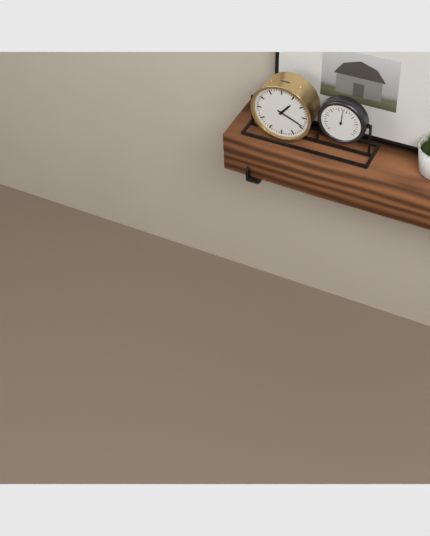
1:19
